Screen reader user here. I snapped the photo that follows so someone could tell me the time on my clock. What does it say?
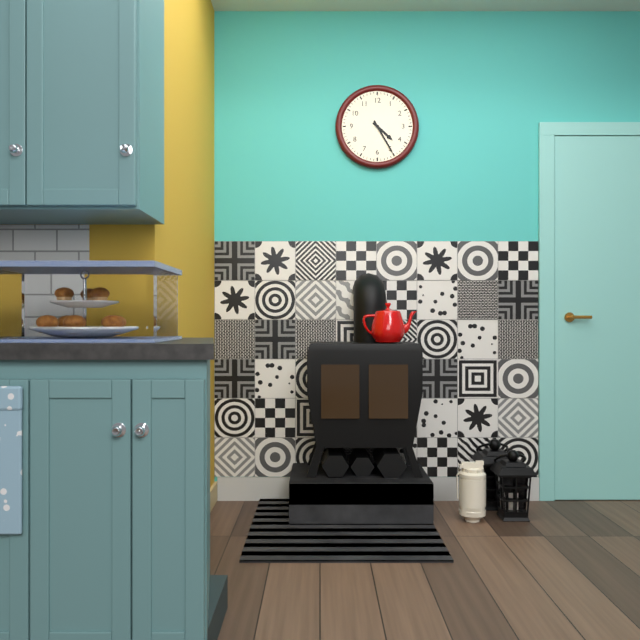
4:25
